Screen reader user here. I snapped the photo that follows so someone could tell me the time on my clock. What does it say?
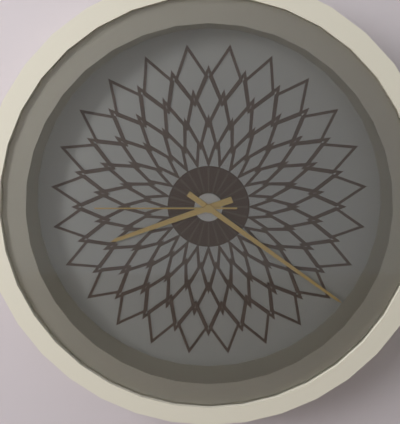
8:21:45
